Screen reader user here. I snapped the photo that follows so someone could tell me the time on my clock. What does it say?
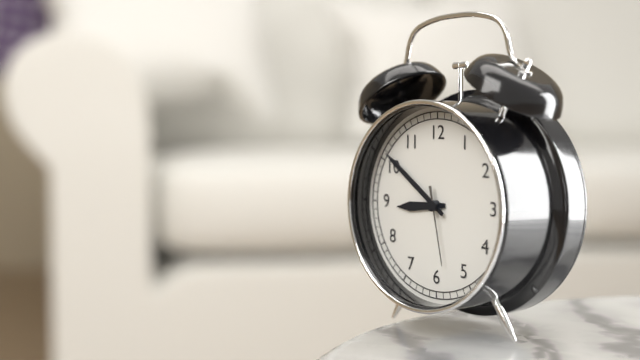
8:51:28
